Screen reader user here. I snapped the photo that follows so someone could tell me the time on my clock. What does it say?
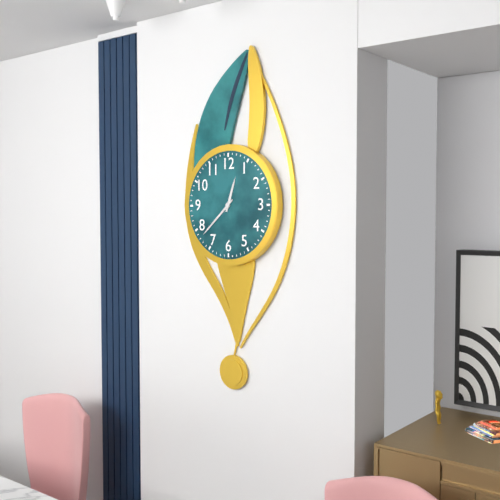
12:38
